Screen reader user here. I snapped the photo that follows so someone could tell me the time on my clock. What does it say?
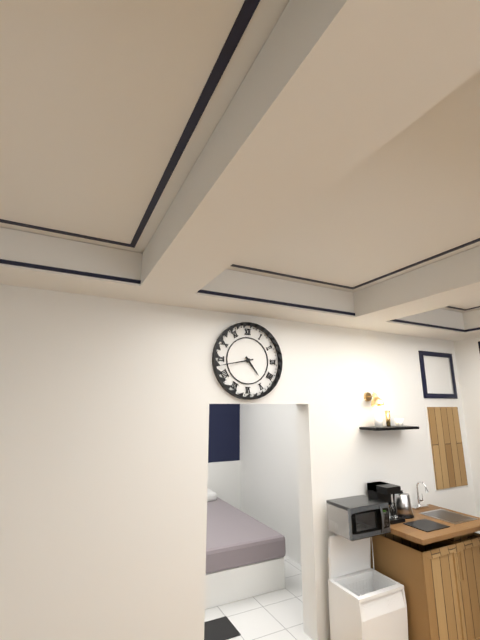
4:43
